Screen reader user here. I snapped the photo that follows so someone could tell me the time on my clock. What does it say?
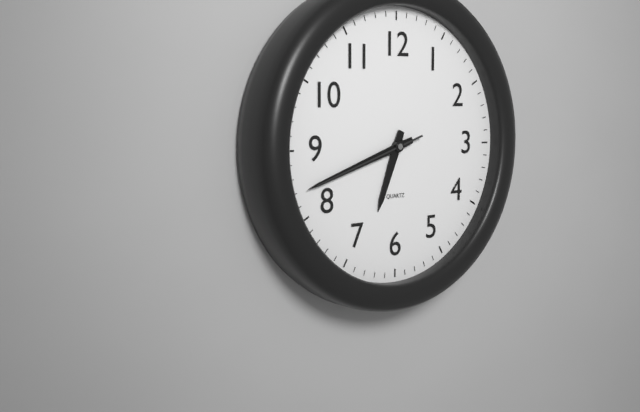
6:42:42
